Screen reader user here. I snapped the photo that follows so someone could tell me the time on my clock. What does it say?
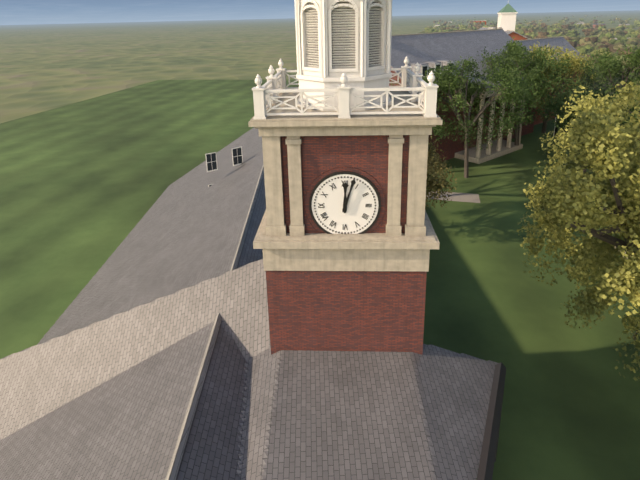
12:03
